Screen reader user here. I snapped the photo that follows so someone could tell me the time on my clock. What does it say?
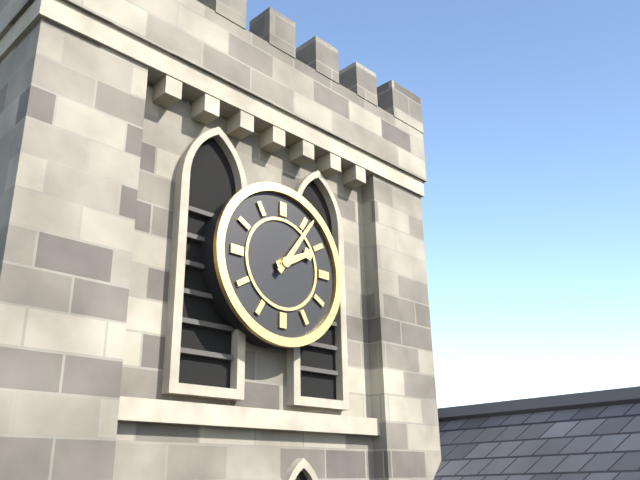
2:06
